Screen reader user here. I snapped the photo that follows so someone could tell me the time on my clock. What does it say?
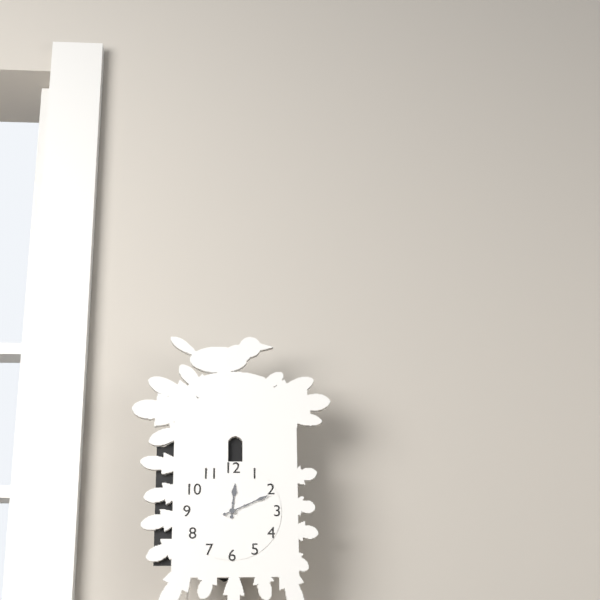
12:11
